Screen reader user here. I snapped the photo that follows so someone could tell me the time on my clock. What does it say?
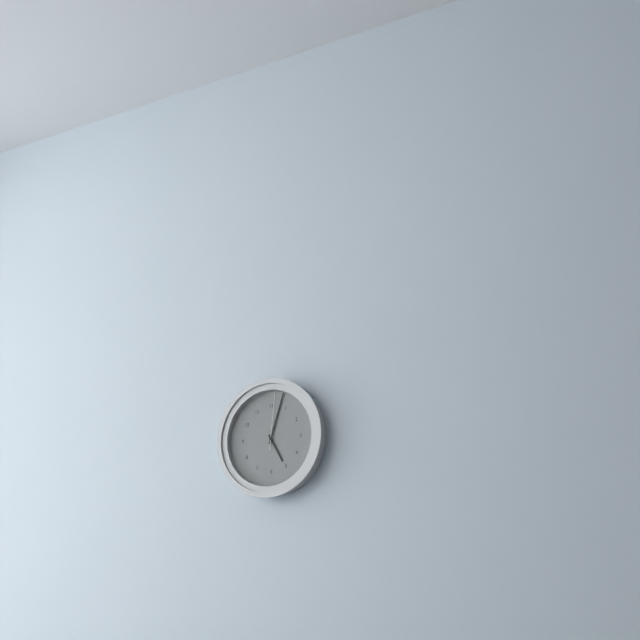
5:03:01
